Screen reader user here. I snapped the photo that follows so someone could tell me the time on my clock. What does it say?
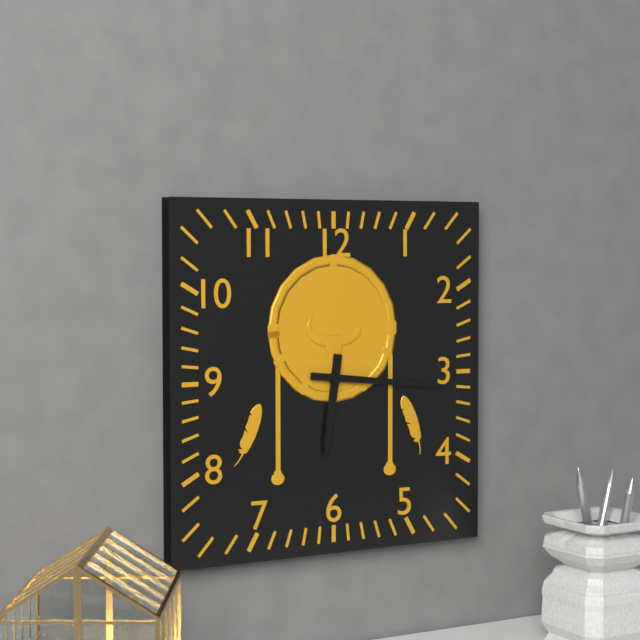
6:16
